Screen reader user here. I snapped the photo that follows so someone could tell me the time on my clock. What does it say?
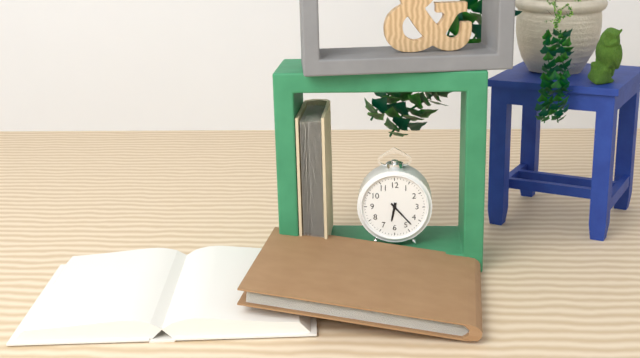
6:23
